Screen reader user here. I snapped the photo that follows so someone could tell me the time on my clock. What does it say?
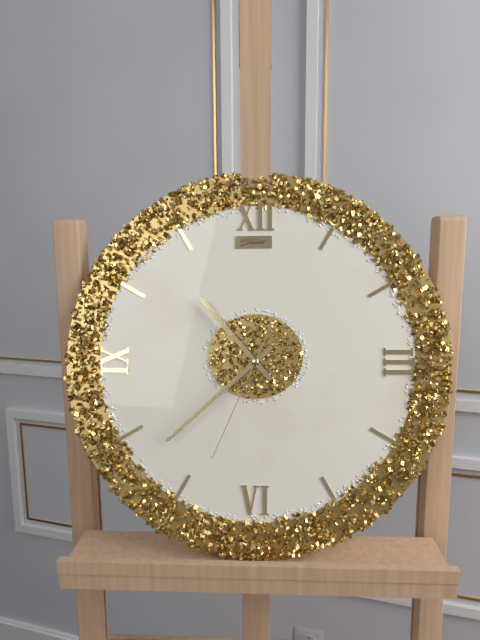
10:38:34
